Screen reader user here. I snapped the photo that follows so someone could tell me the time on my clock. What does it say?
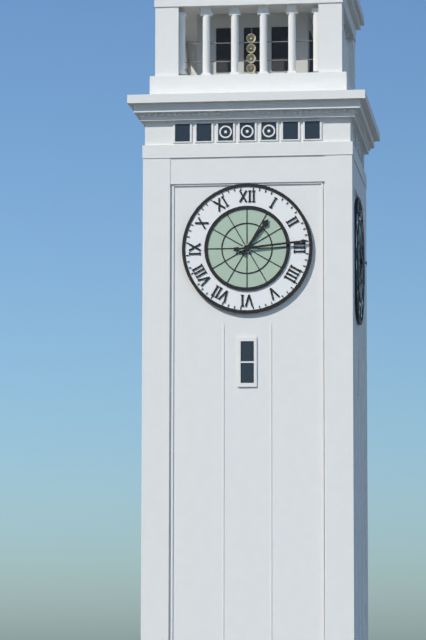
1:14
